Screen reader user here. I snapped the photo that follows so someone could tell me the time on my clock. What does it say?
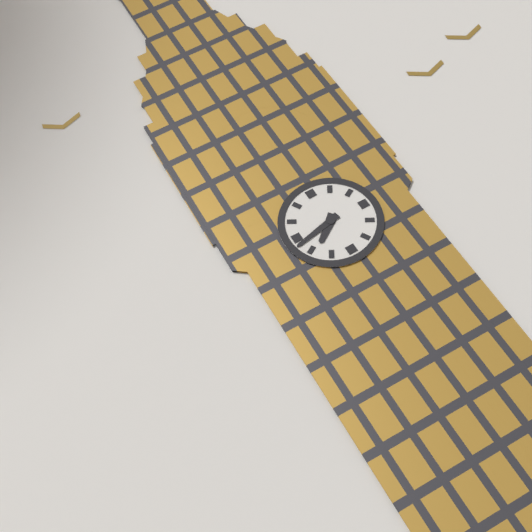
7:43
